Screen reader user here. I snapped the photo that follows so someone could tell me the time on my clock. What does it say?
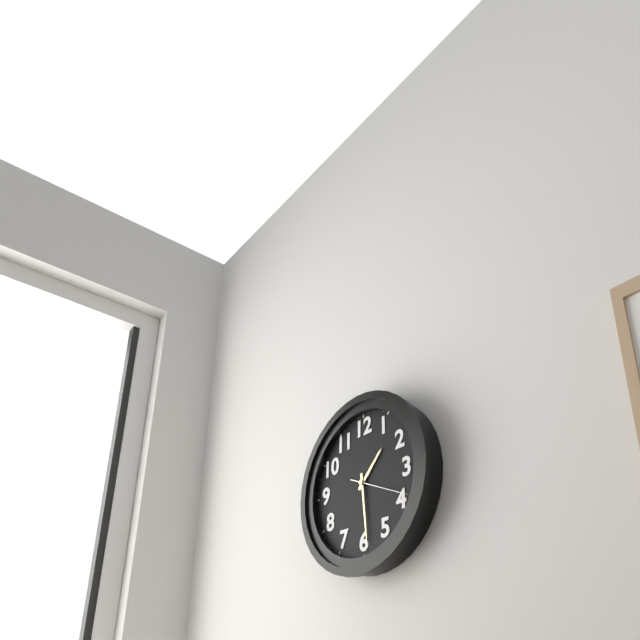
1:29:19
